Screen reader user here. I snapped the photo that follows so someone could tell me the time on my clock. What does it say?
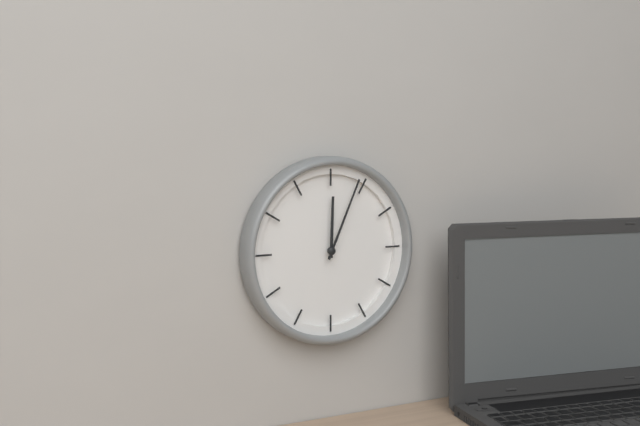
12:04
